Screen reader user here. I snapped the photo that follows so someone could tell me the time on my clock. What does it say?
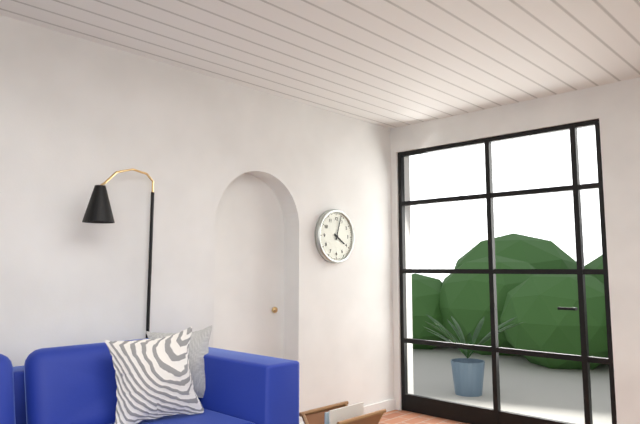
4:03
